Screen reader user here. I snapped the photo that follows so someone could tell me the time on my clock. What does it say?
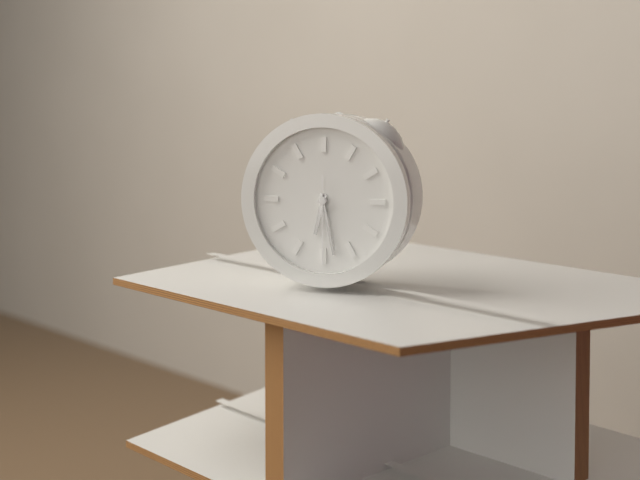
6:28:30
